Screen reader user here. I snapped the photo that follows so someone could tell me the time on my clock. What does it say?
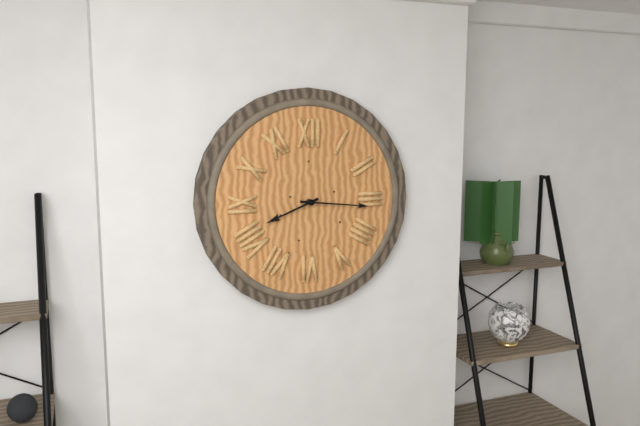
8:16
